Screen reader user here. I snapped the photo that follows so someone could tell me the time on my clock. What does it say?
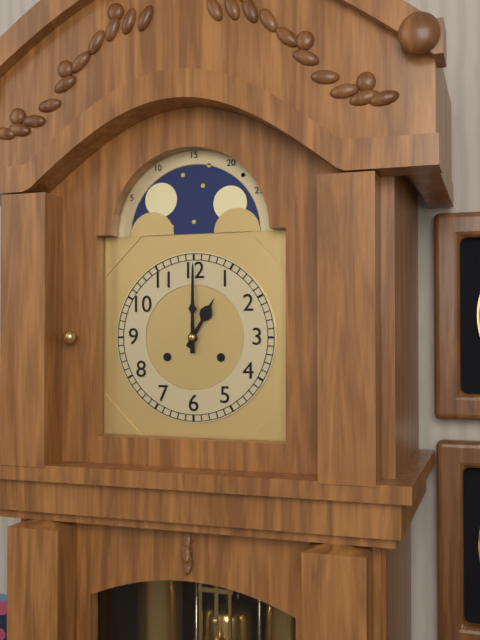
1:00
